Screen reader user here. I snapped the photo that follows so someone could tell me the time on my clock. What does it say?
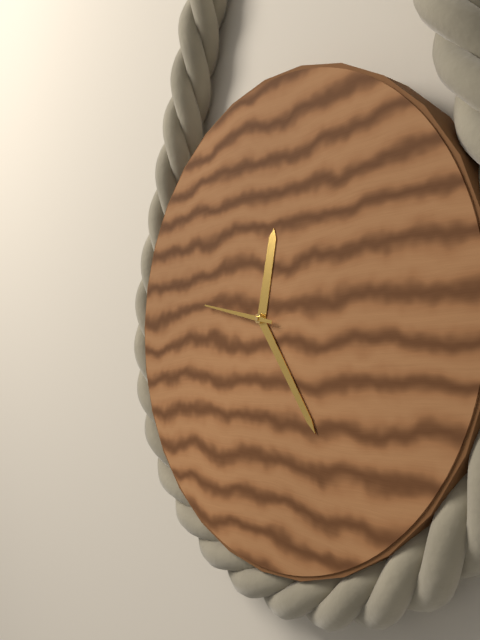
12:24:47
